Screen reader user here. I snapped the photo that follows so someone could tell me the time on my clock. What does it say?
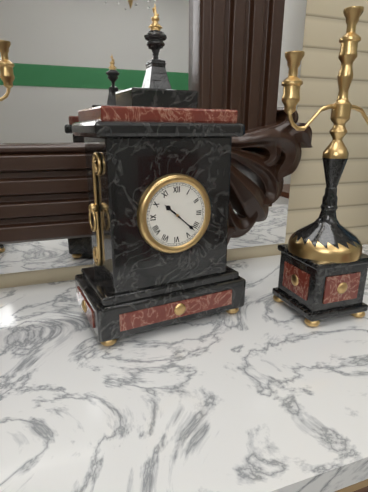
10:22
